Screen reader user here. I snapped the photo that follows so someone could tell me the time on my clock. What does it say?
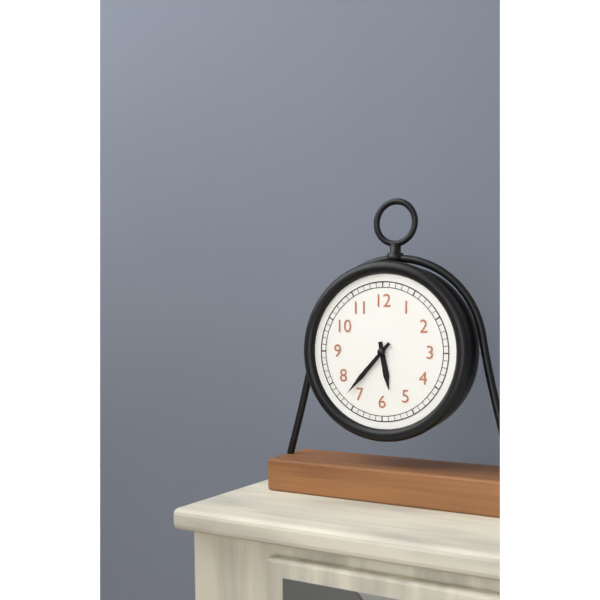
5:37
